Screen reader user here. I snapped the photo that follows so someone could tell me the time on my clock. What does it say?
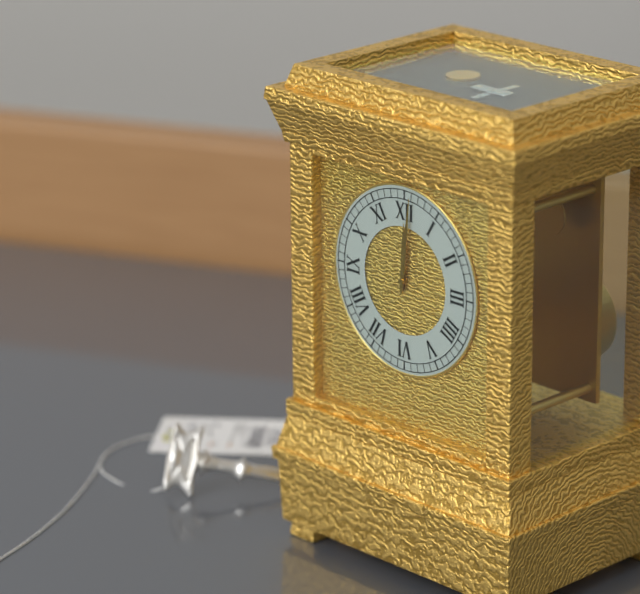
12:01
